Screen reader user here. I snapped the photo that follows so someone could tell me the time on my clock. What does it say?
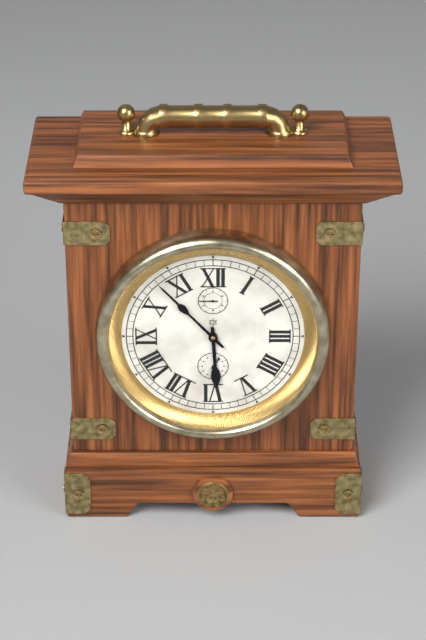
5:53
